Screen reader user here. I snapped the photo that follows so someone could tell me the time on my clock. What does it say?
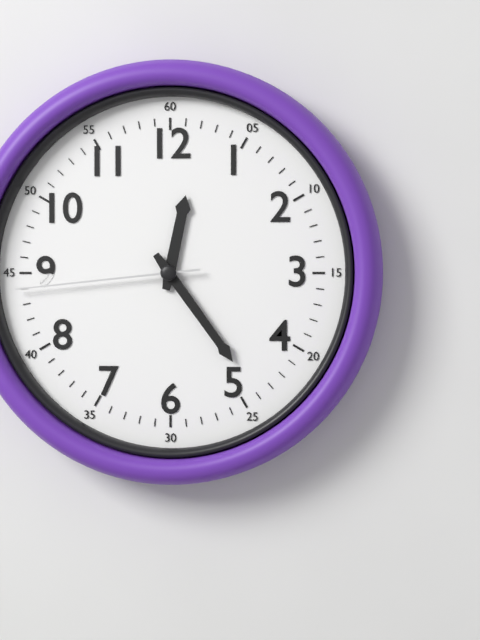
12:24:44
